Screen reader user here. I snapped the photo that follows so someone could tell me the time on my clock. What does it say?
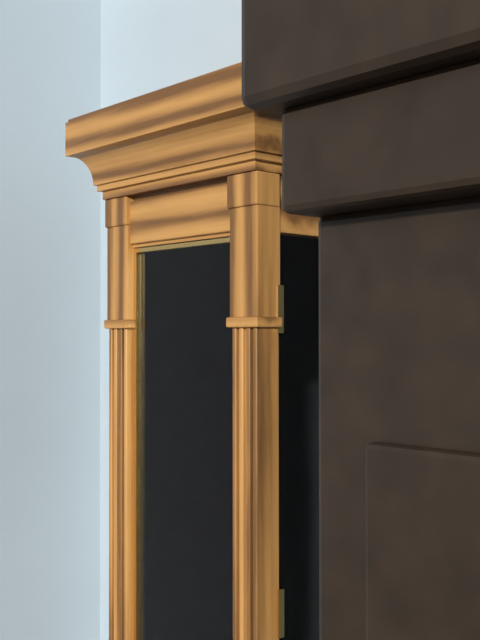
7:19
